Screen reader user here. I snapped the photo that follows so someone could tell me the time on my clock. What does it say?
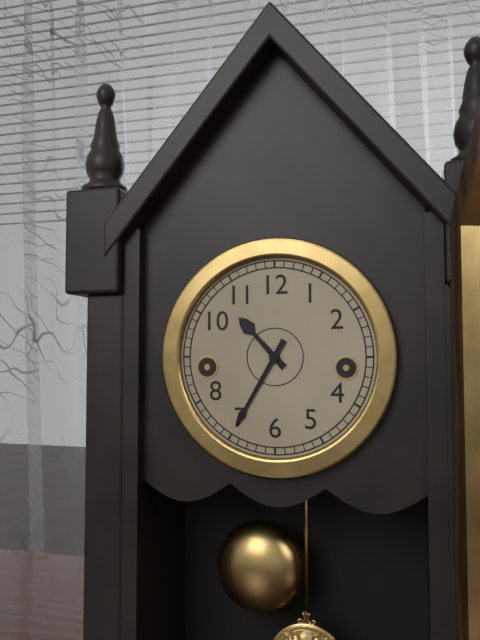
10:35
